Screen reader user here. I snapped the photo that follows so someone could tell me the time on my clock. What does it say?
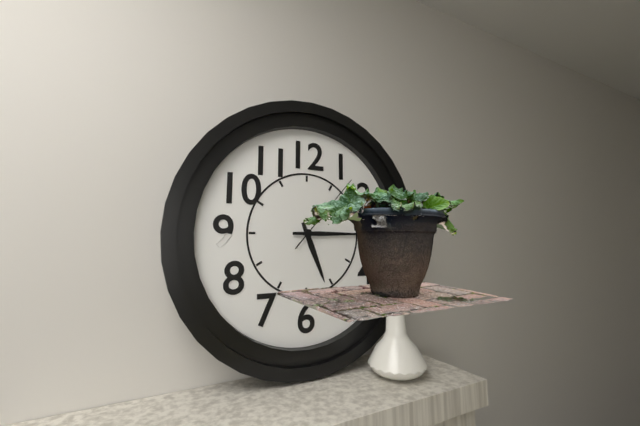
5:15:07
